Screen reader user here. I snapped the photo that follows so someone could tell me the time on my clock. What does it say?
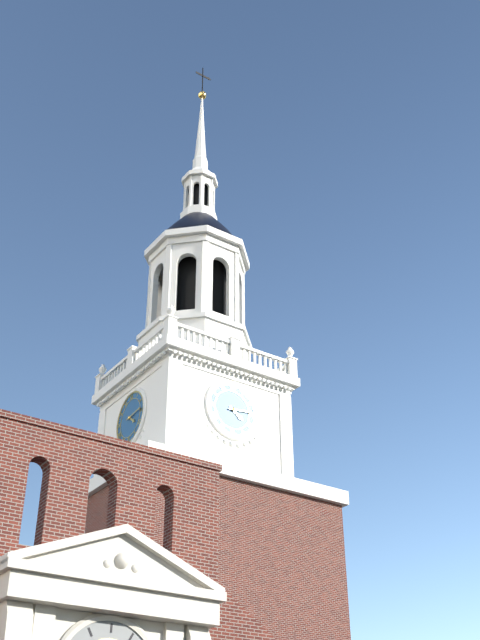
4:14
